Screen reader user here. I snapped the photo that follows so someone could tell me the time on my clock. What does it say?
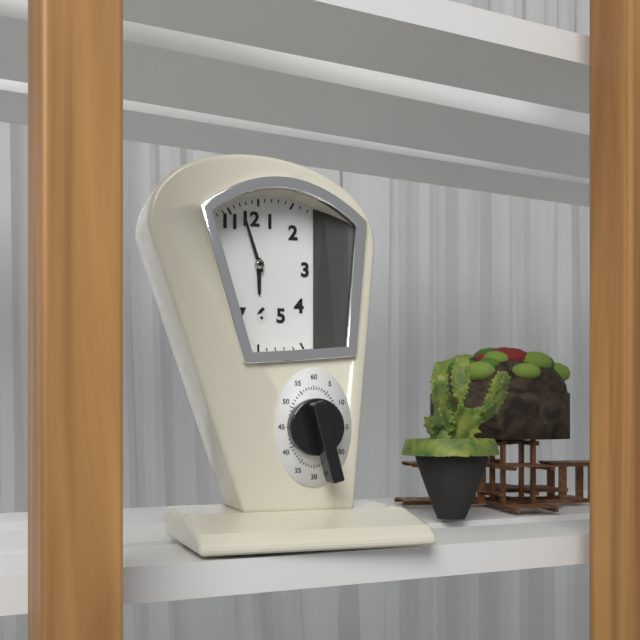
5:57
